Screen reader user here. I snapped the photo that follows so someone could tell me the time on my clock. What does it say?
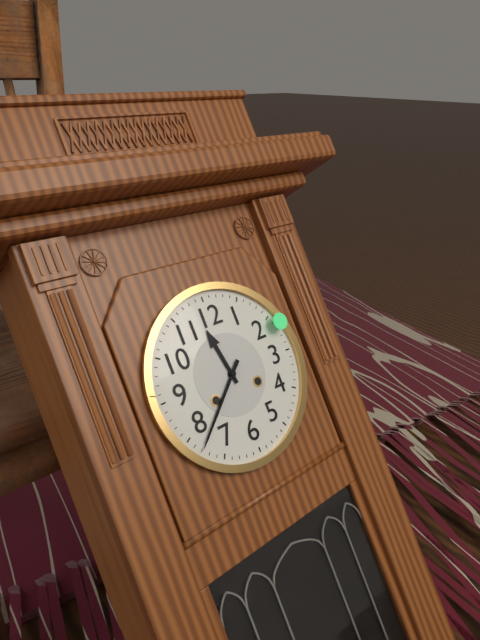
11:38
